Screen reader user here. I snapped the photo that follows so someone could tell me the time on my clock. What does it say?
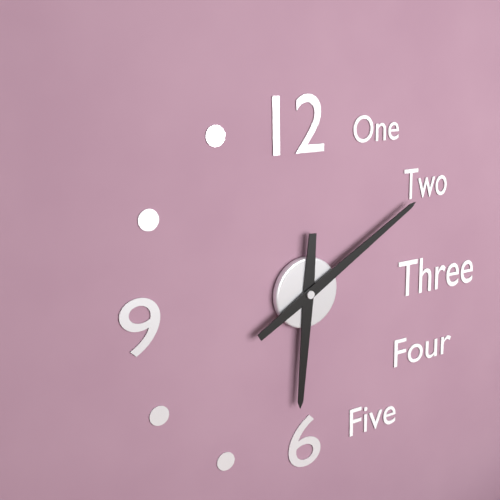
6:10
